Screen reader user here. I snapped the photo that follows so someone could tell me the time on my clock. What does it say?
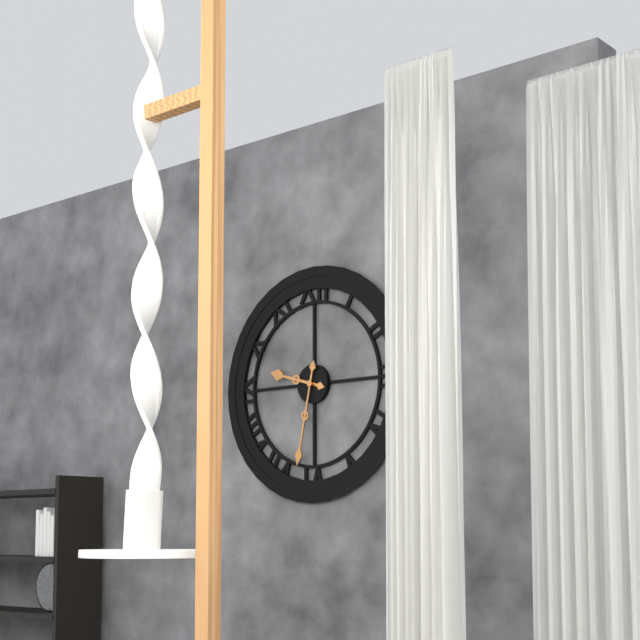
9:32
